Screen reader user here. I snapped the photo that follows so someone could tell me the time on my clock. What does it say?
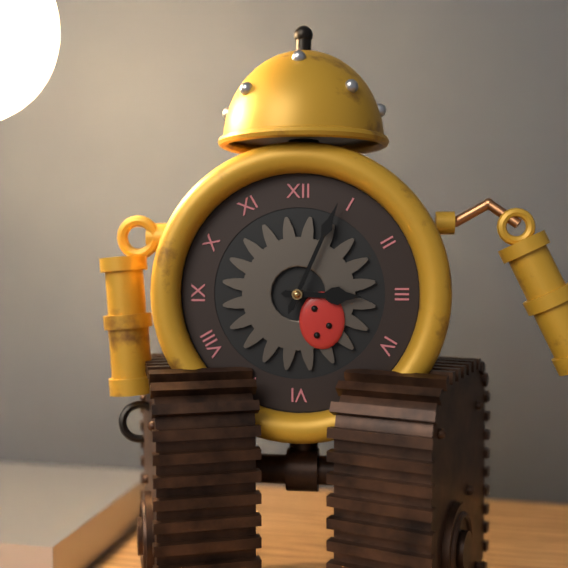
3:04
